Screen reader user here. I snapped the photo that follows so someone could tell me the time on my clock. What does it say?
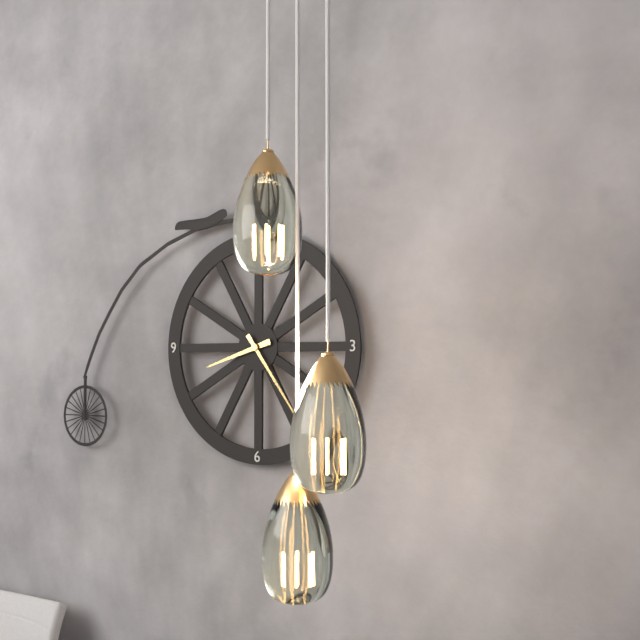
8:24
